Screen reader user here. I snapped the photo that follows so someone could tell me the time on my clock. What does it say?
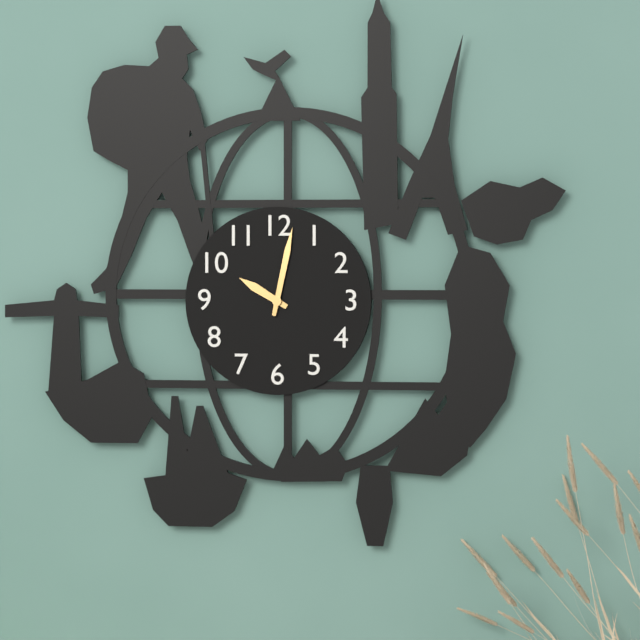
10:02
